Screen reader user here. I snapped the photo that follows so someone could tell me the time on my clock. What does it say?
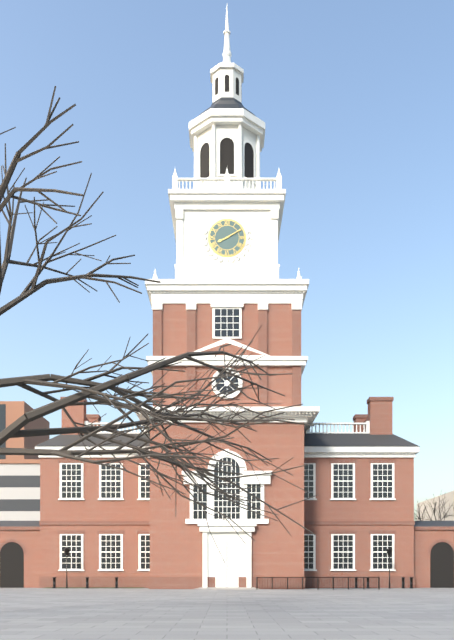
8:10
